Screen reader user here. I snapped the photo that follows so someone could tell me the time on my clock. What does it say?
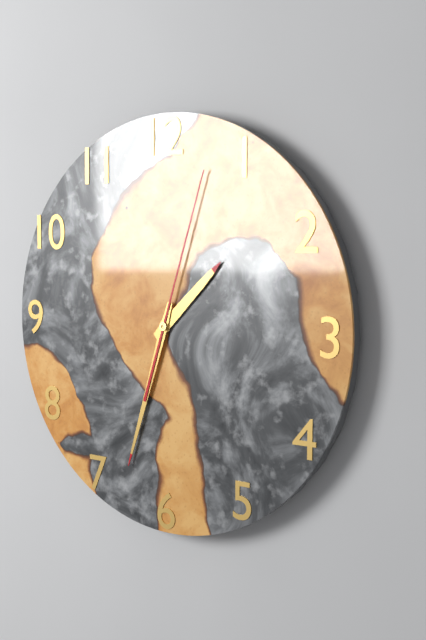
1:33:03
